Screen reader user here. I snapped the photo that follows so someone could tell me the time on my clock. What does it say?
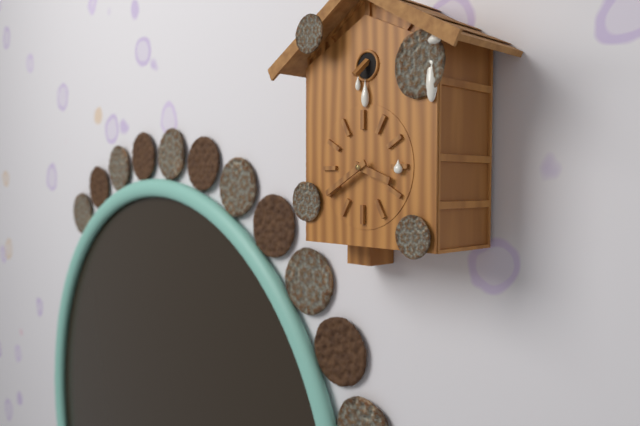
3:40
